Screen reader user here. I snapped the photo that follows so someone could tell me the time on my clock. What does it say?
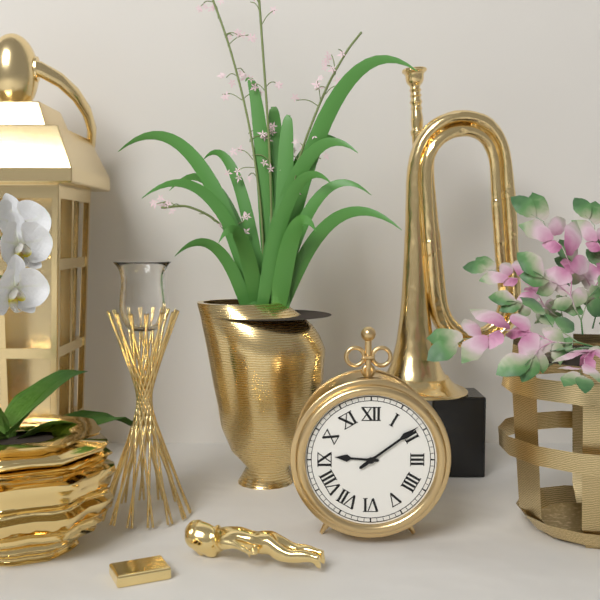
9:09
